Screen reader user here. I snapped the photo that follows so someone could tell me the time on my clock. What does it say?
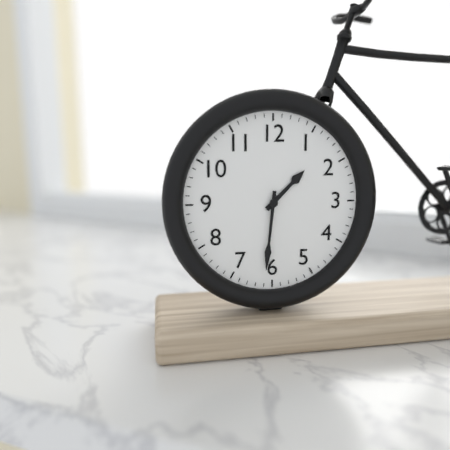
1:31
